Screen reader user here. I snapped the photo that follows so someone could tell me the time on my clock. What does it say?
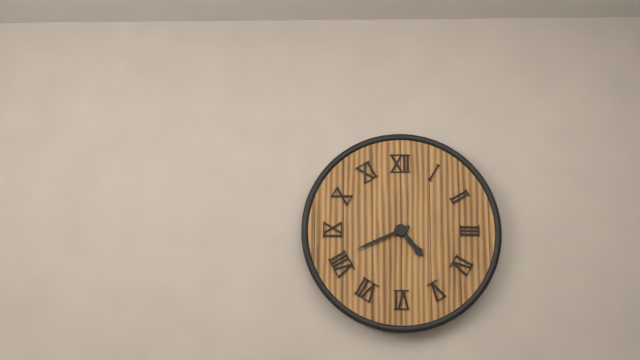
4:41
